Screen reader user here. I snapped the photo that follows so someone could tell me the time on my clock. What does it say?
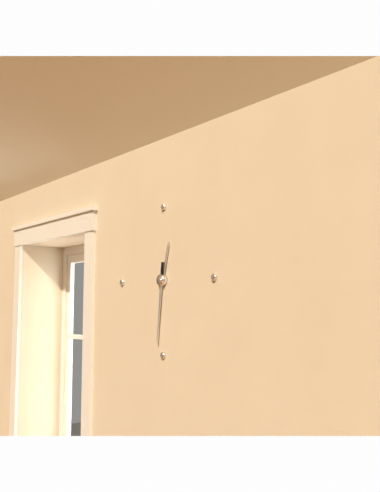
12:31
